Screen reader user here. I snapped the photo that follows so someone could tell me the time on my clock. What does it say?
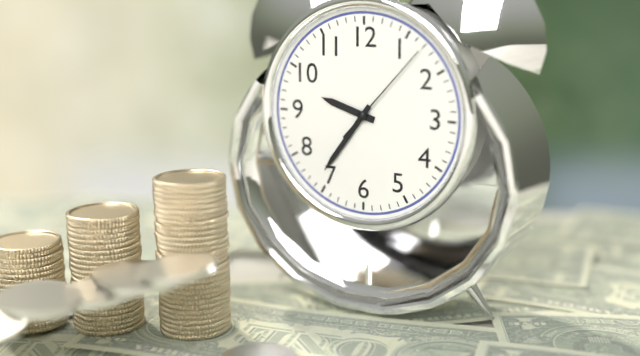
9:36:07
